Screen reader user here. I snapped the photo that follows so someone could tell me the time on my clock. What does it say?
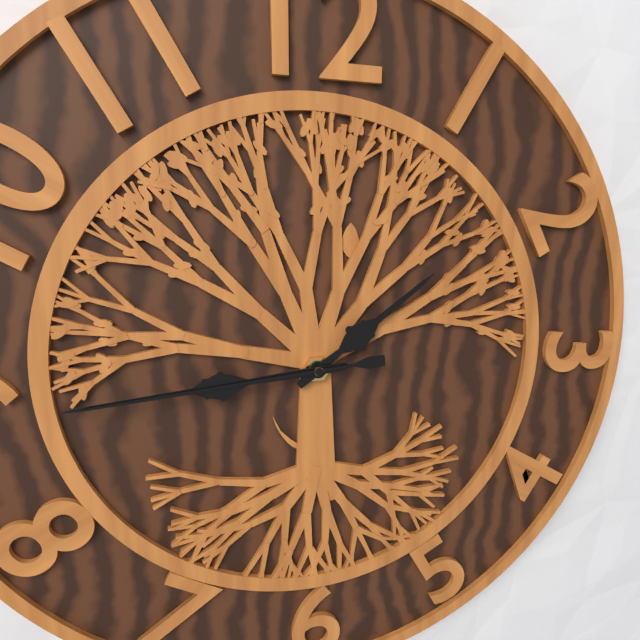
1:44:44
